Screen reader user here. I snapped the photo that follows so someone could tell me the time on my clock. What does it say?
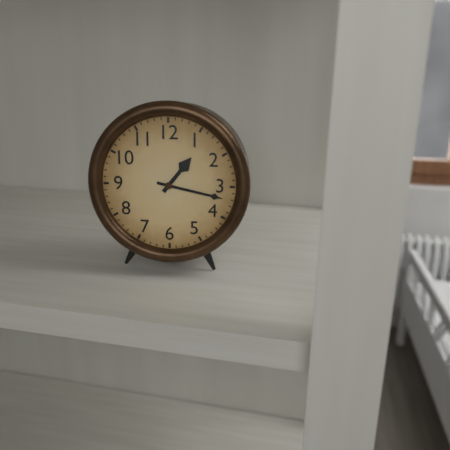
1:17
